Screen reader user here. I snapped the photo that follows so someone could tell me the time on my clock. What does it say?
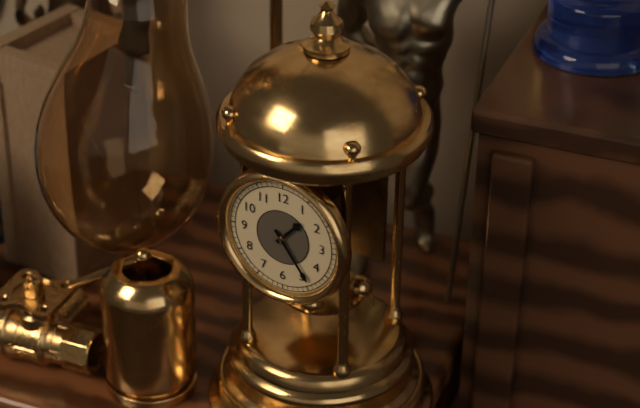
1:24
